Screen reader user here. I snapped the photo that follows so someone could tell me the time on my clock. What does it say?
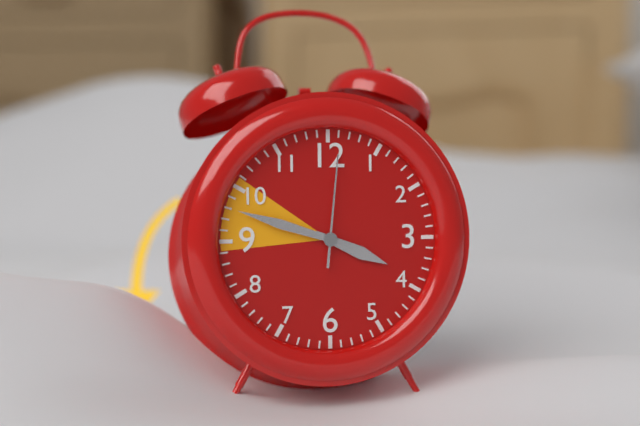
3:48:01
